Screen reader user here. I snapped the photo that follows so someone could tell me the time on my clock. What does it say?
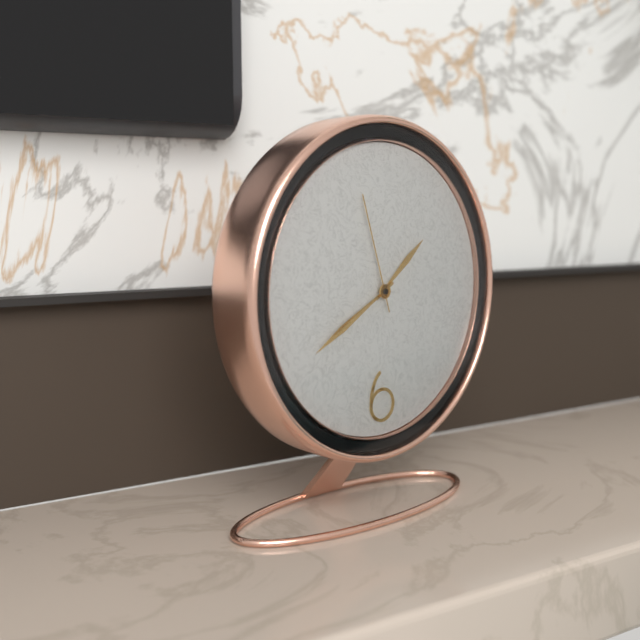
1:40:57
